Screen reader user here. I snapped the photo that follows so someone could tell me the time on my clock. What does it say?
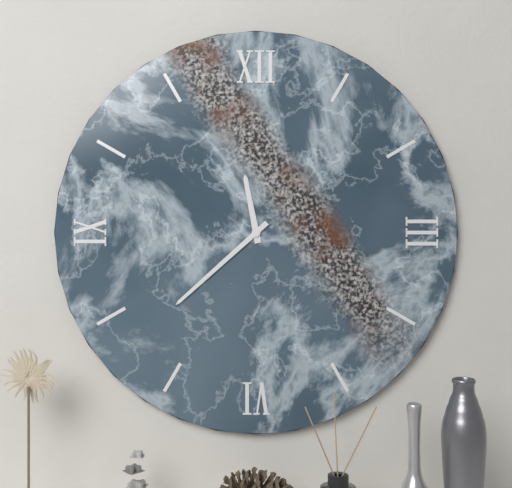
11:38
